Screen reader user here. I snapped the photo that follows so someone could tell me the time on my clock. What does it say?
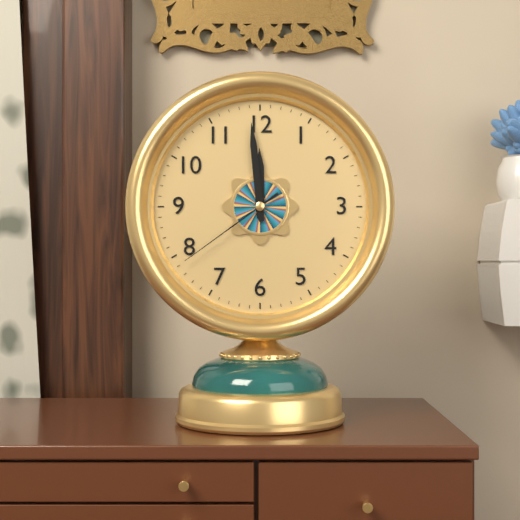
11:59:39
